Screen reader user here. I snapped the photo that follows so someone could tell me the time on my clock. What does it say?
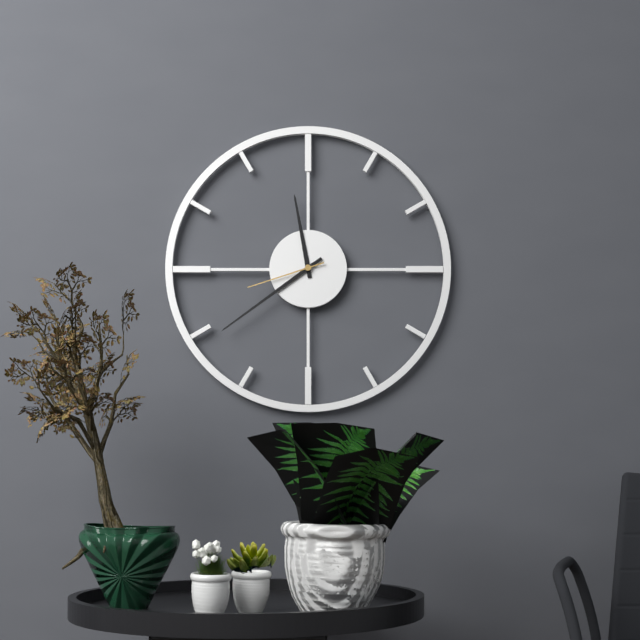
11:39:42
